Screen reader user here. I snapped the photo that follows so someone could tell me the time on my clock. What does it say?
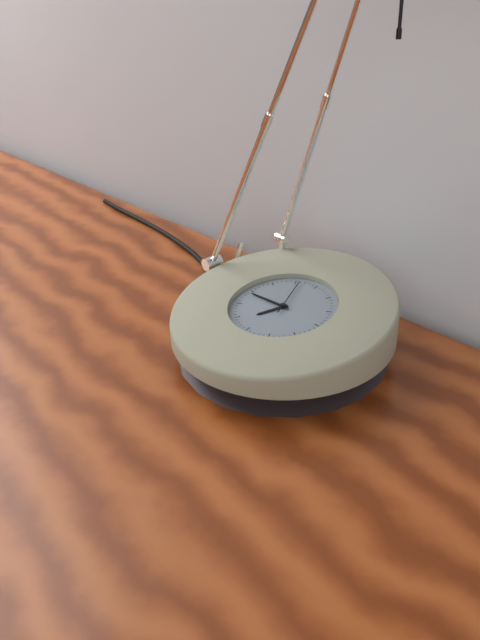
6:44
